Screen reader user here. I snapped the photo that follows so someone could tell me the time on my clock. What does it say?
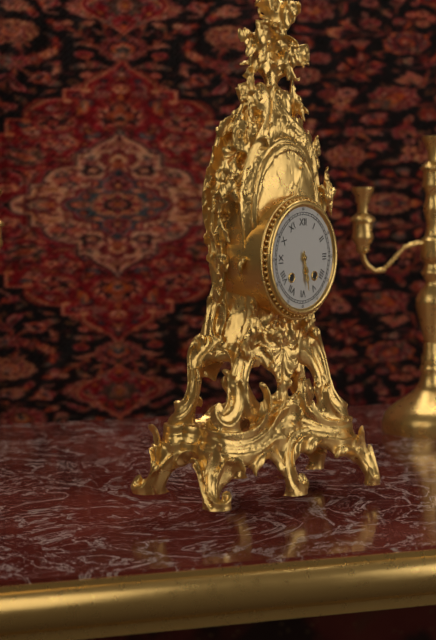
5:28
